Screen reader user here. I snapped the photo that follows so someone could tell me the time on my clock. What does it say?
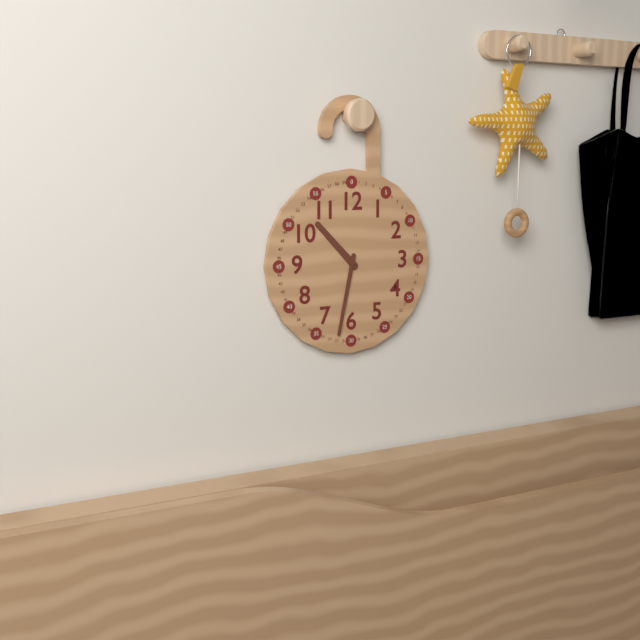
10:32
